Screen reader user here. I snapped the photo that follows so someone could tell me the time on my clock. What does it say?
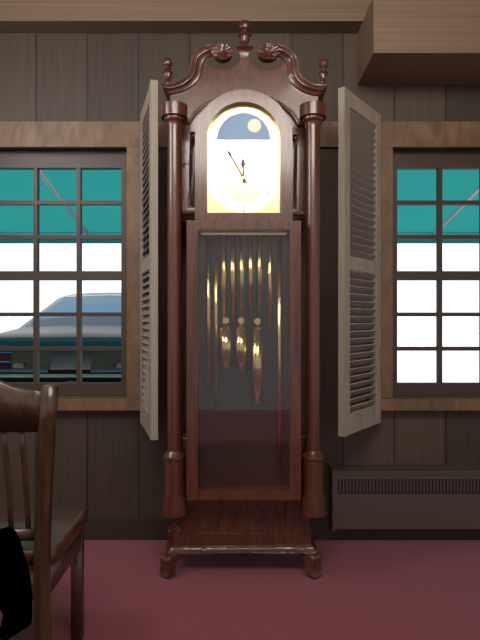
11:55
